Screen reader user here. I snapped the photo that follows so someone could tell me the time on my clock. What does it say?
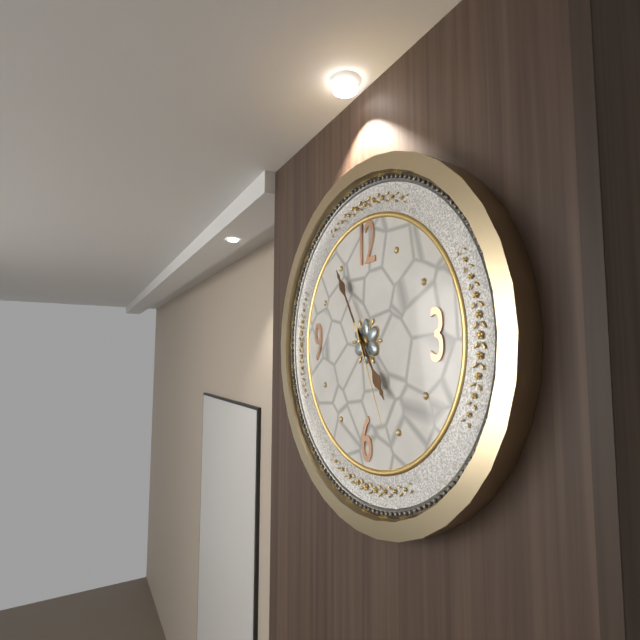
4:55:26
